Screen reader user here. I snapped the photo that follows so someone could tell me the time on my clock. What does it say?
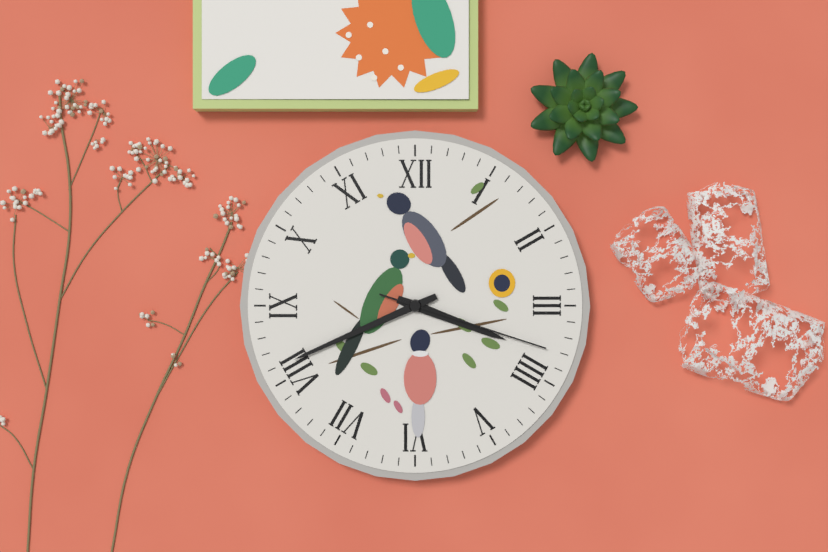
3:41:18
